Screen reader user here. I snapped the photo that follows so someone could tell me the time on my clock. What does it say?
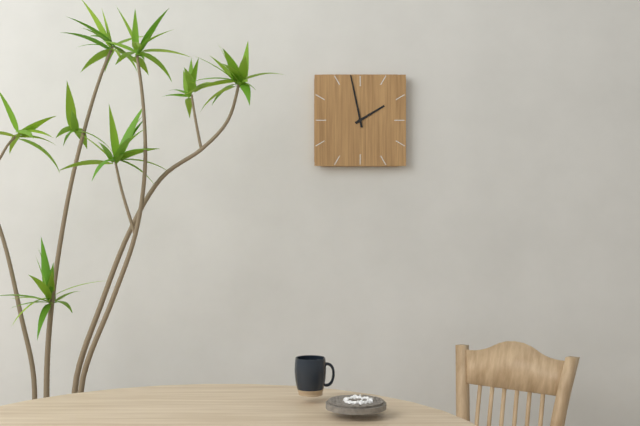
1:58
